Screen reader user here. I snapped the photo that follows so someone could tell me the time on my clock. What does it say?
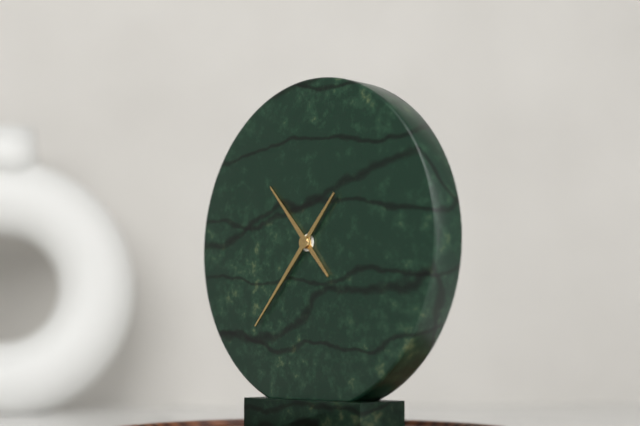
10:37
